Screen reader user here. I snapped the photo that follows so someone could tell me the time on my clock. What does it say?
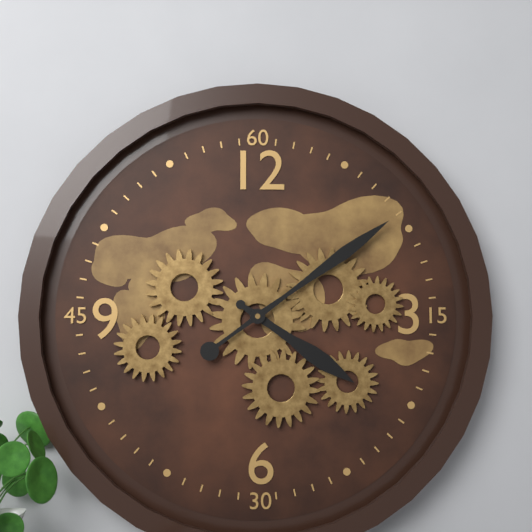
4:09
